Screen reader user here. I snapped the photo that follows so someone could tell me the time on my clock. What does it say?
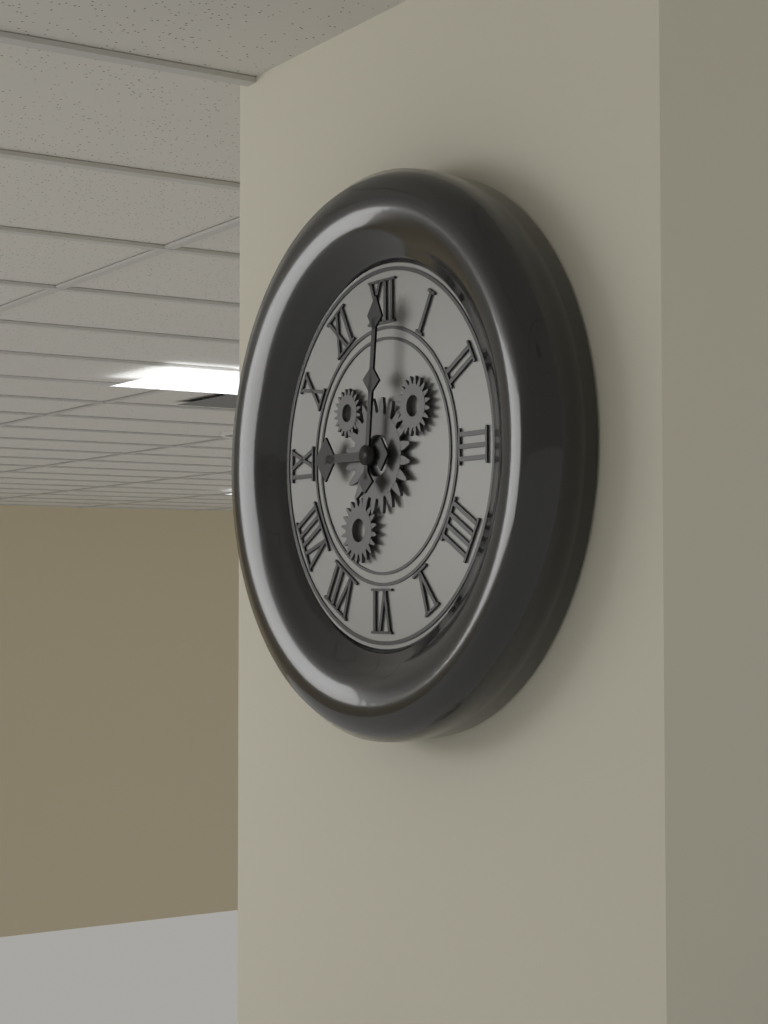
9:01
